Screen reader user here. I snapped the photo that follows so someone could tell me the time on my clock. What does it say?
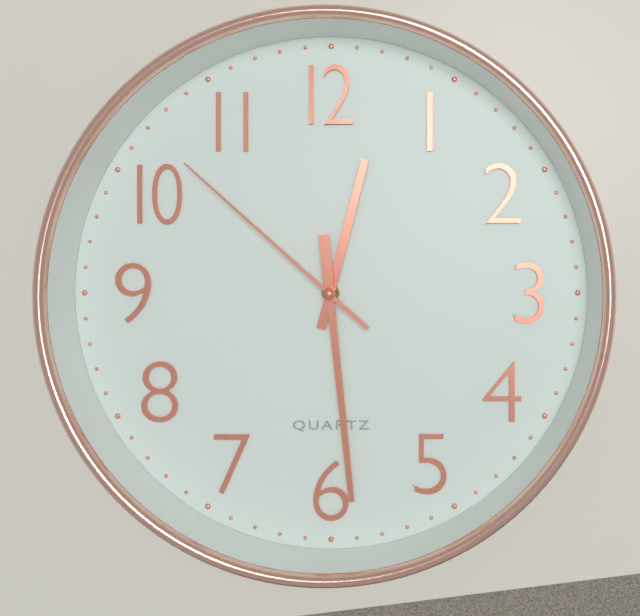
12:29:52
